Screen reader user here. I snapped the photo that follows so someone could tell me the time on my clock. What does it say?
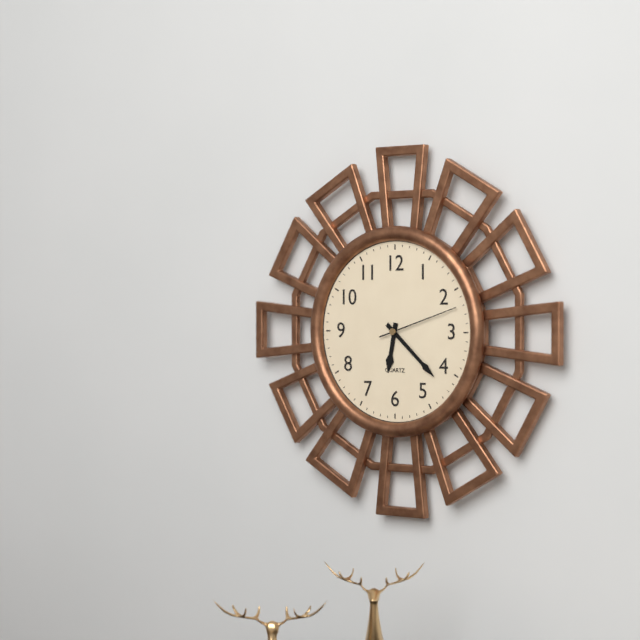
6:22:12
